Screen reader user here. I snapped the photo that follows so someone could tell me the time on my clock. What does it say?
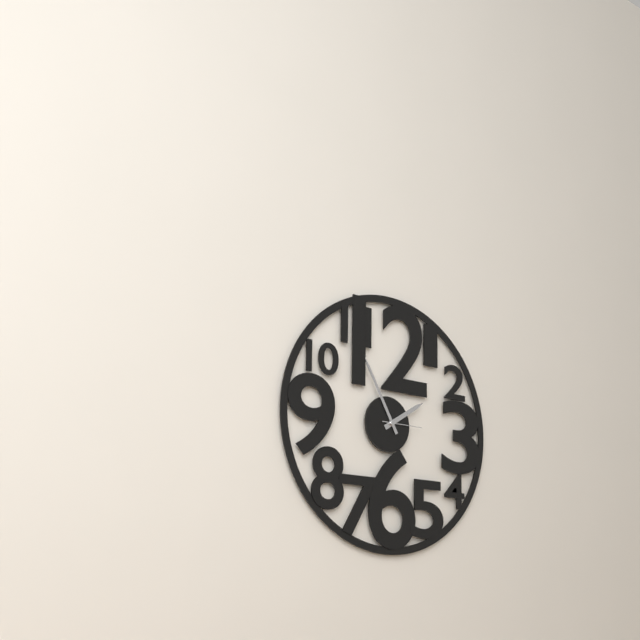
1:55
